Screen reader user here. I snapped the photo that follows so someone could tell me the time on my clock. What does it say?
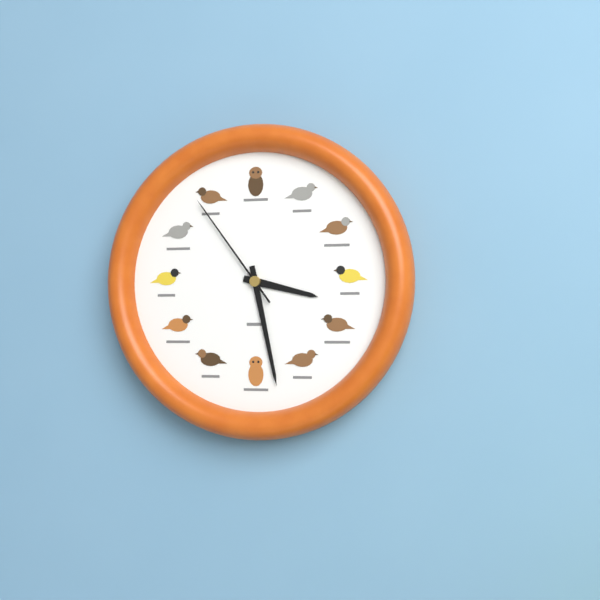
3:28:54
